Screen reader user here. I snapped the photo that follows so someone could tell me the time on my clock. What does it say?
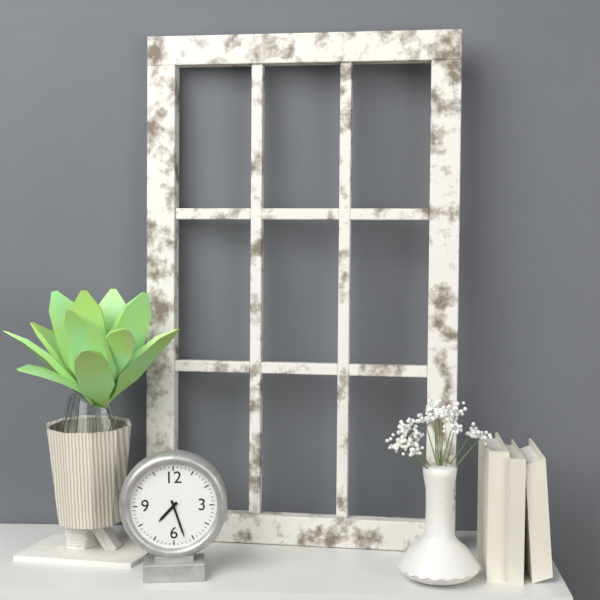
7:27
